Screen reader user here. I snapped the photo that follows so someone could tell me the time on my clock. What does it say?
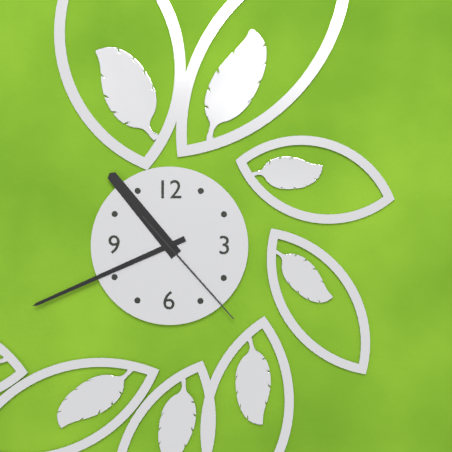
10:41:23
